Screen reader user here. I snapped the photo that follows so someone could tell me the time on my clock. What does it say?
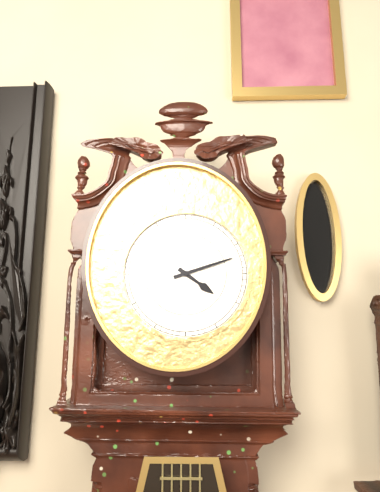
4:12
